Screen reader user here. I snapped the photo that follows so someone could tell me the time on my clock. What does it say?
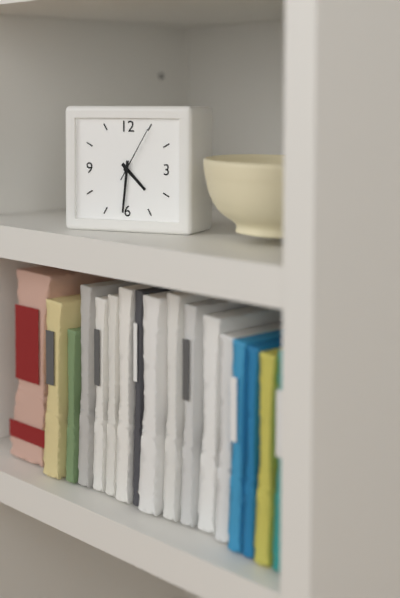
4:31:05
